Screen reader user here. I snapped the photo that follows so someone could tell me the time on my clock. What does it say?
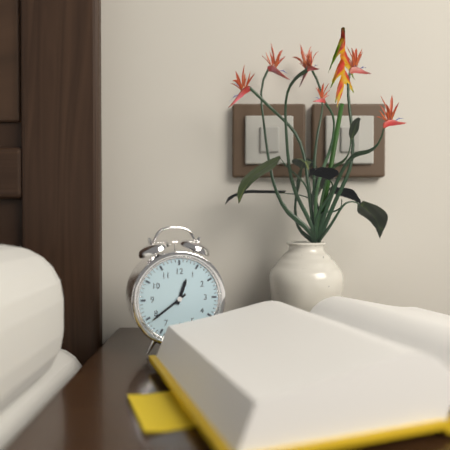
12:39
